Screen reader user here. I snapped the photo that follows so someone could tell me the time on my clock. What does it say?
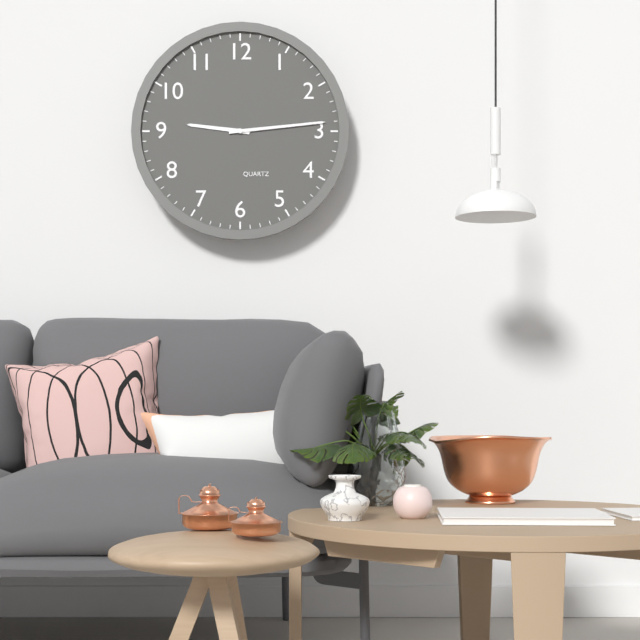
9:14
